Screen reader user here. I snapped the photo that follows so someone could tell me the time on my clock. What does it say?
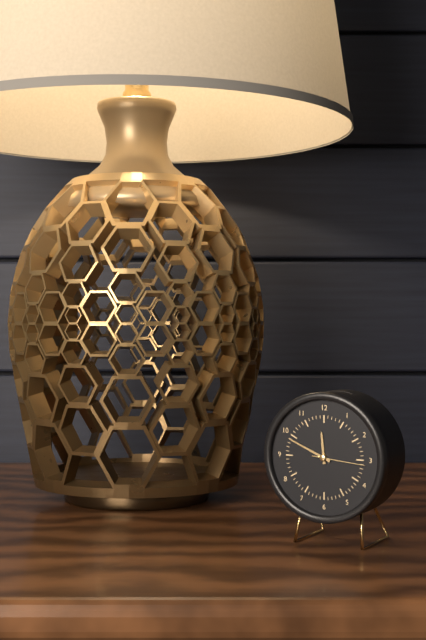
11:49
